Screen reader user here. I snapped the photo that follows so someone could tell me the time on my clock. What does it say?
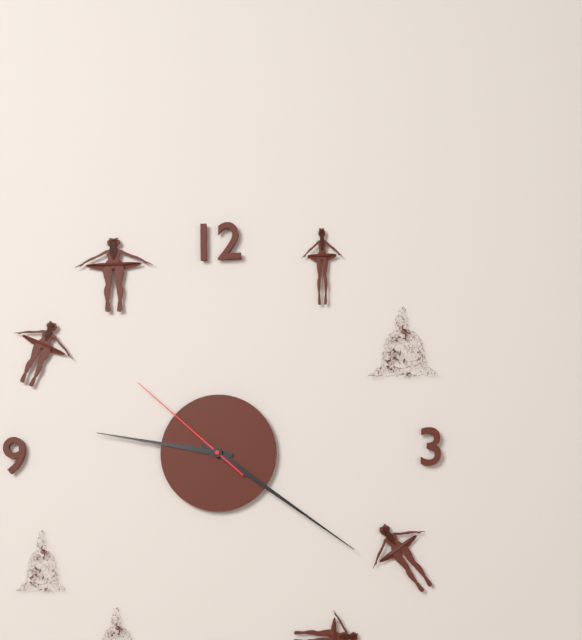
9:21:52
